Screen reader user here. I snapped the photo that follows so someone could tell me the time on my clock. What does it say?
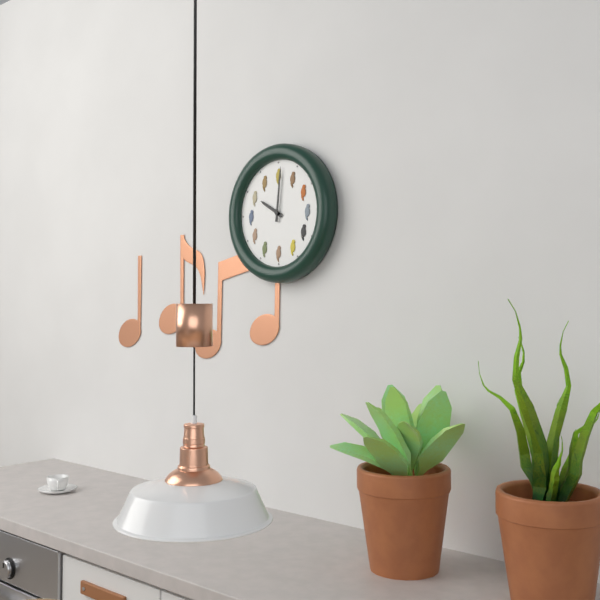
10:01
